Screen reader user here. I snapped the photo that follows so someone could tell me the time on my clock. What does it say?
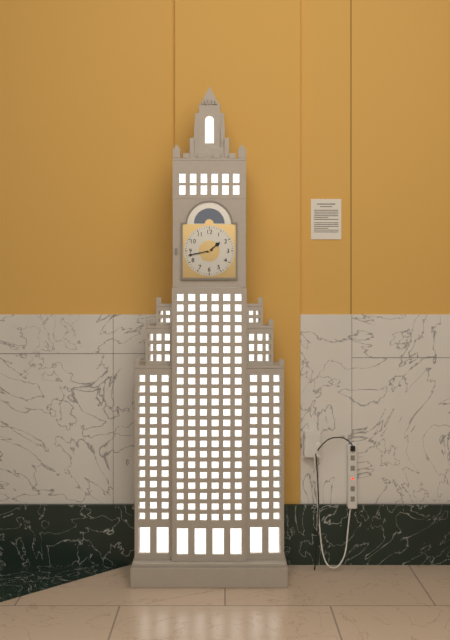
1:43
